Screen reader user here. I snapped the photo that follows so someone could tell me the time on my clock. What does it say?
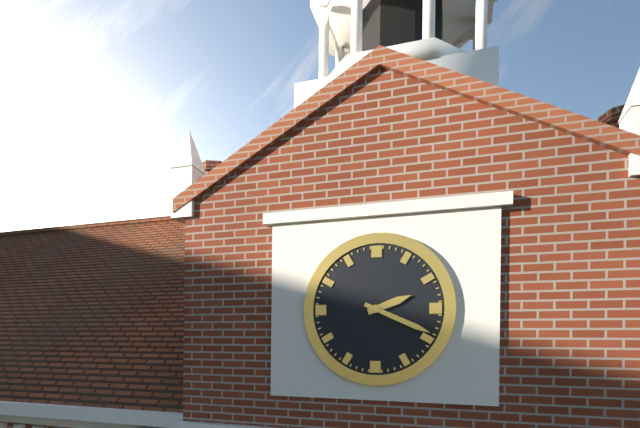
2:19
